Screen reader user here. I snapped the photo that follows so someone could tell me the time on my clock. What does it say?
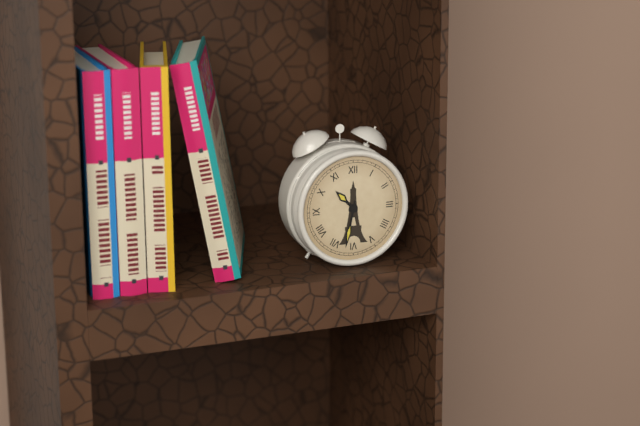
10:32
